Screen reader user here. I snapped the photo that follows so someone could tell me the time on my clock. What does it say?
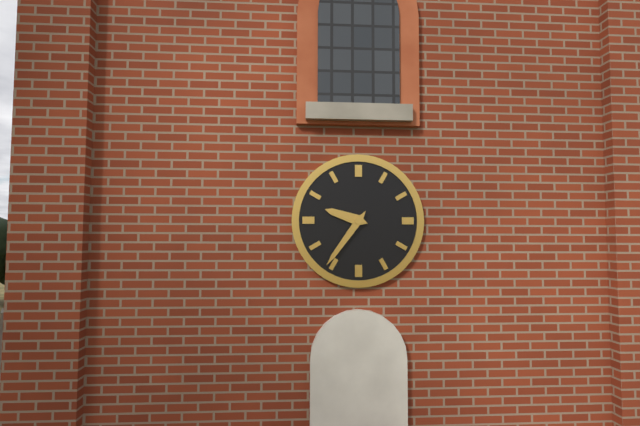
9:36
